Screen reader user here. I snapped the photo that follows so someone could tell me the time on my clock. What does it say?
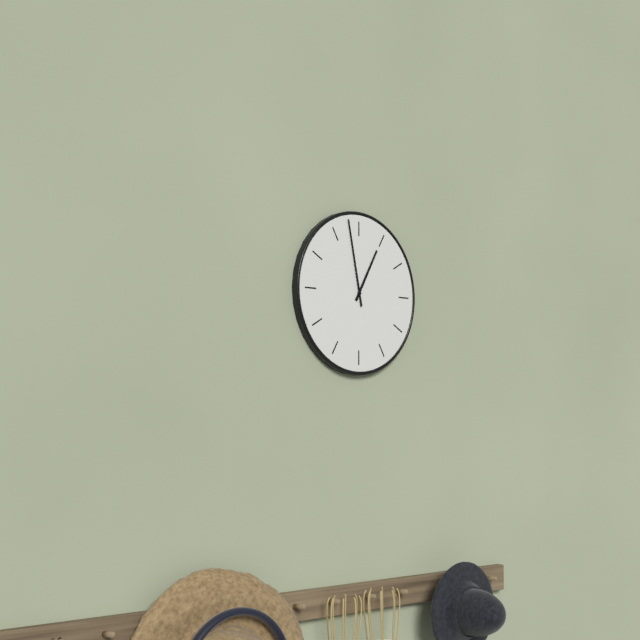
12:58
